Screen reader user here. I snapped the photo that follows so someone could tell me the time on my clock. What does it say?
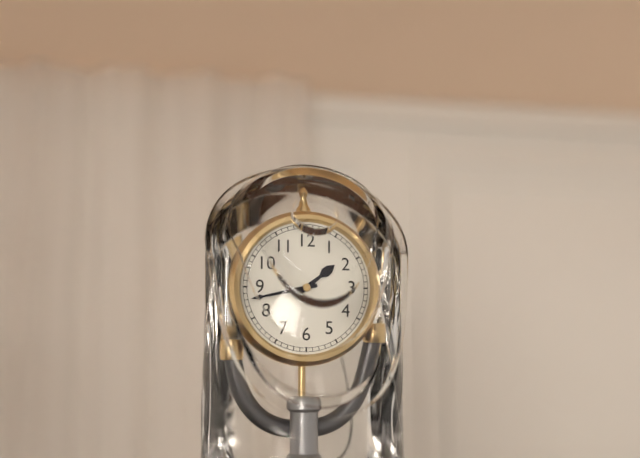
1:43
